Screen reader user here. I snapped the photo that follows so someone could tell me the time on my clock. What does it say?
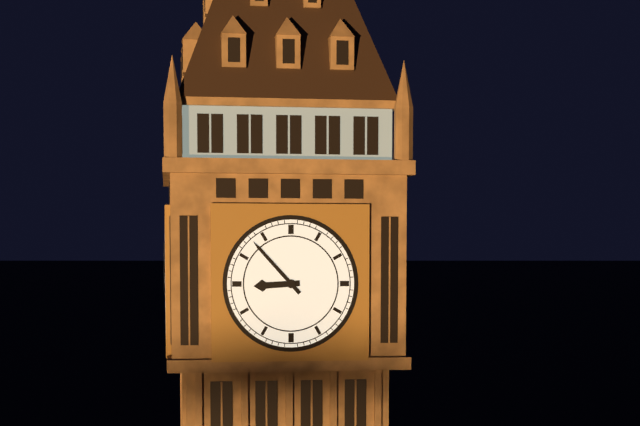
8:53
